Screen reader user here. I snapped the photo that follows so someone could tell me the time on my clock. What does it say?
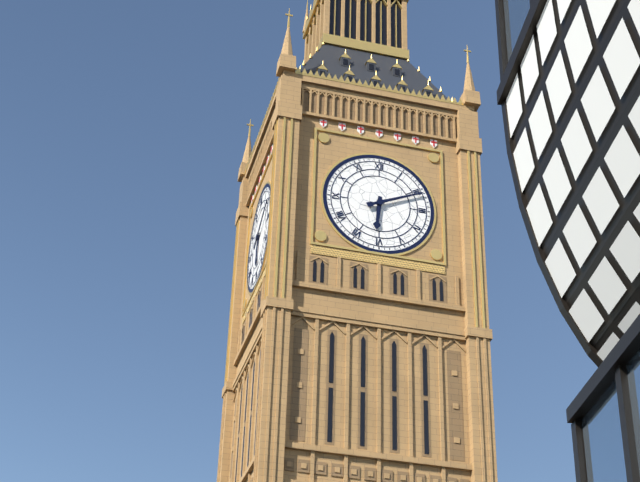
6:11
